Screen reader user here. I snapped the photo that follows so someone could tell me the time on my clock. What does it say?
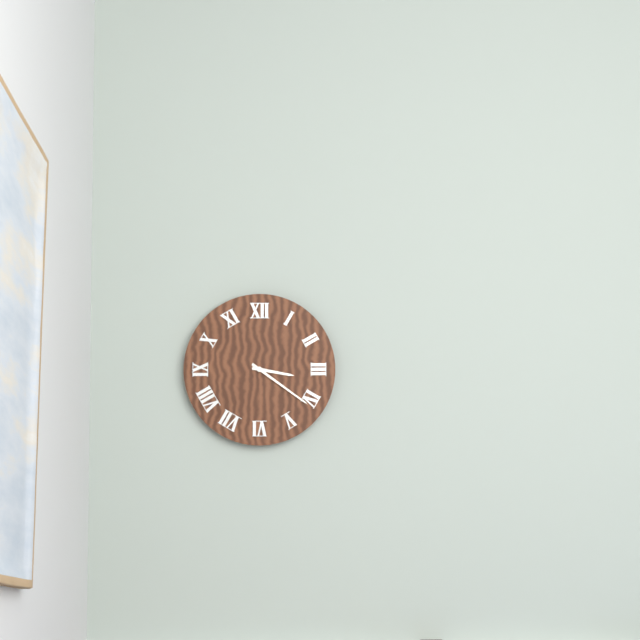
3:21
